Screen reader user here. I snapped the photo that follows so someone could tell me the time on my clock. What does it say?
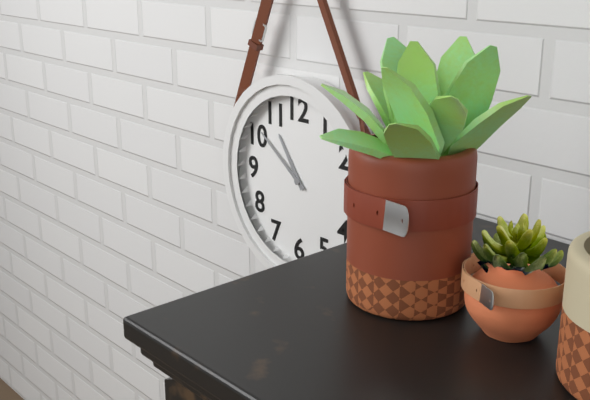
10:51
